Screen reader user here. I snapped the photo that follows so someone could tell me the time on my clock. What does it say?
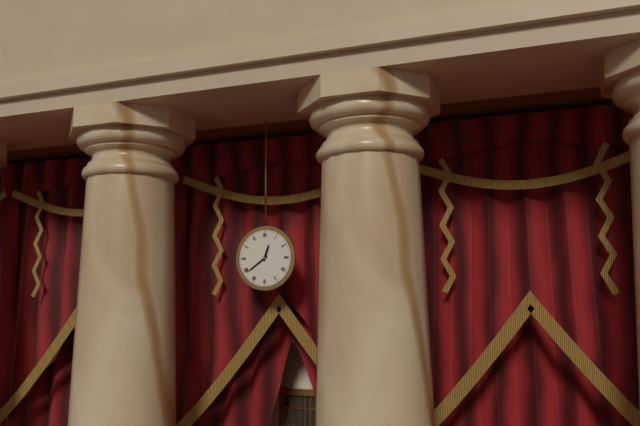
12:39
